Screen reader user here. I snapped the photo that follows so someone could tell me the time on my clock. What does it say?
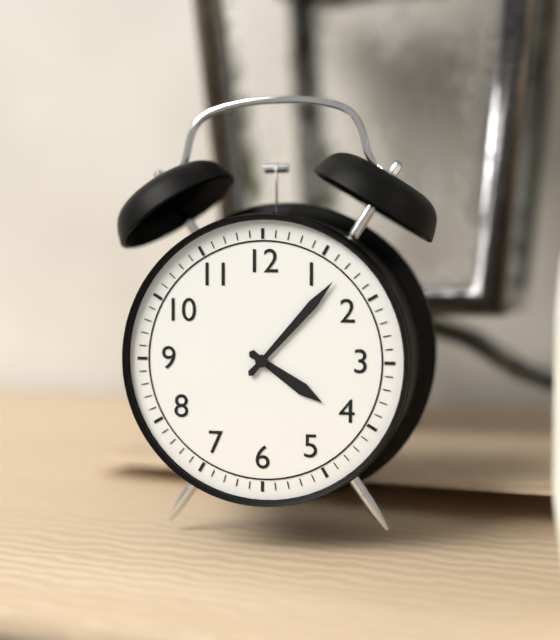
4:07
